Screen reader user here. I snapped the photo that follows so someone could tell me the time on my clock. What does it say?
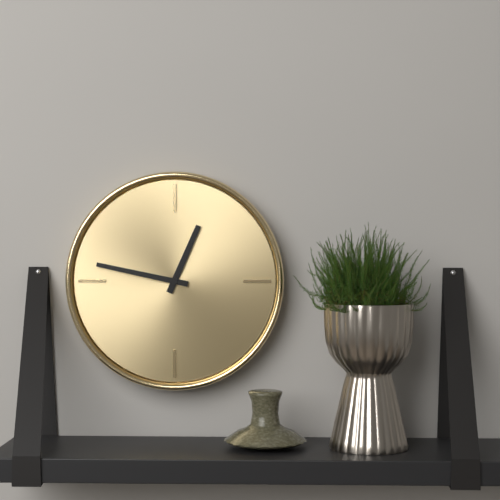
12:47
